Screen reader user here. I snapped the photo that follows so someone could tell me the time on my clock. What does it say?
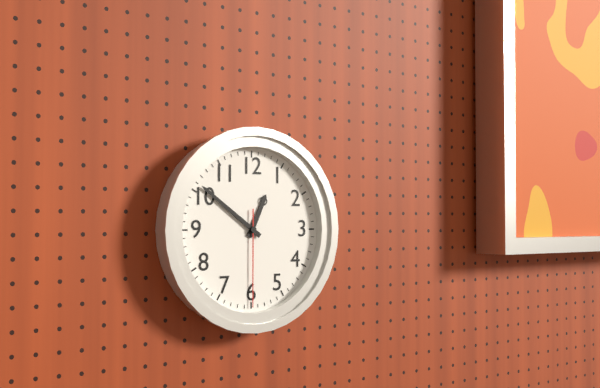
12:51:30
